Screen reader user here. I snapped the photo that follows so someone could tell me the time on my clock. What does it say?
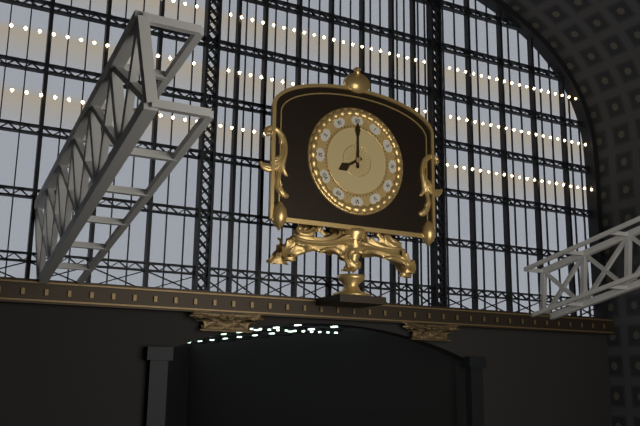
8:00
